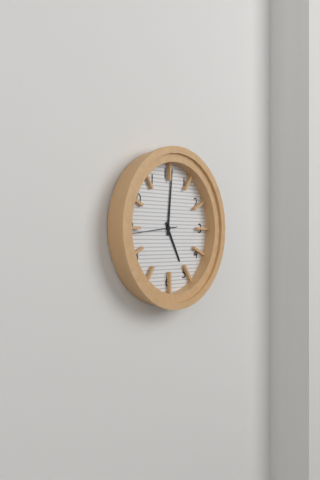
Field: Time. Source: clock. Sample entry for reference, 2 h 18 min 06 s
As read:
5 h 01 min 44 s
